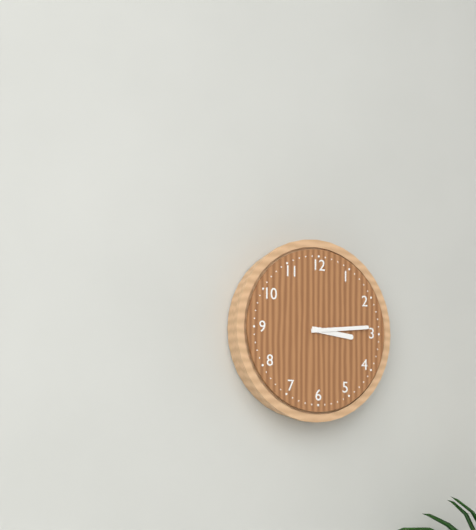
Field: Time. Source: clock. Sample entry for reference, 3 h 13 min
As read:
3 h 14 min
